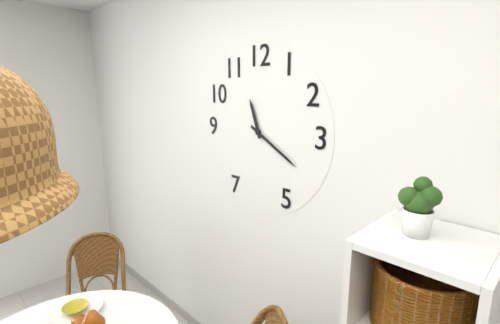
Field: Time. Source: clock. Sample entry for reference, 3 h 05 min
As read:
11 h 20 min
